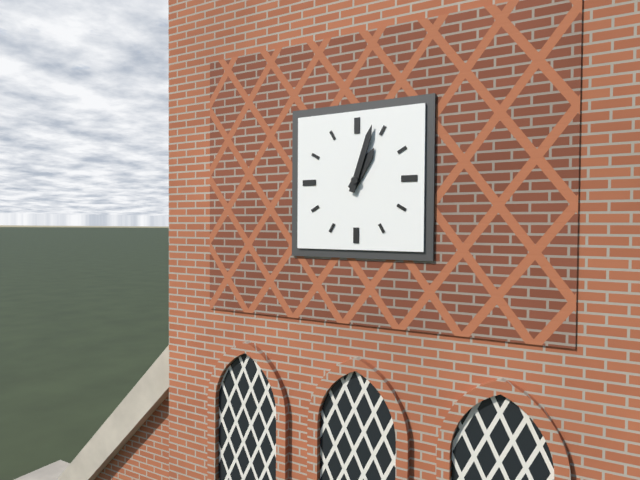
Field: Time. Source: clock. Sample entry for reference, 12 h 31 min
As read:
1 h 03 min
